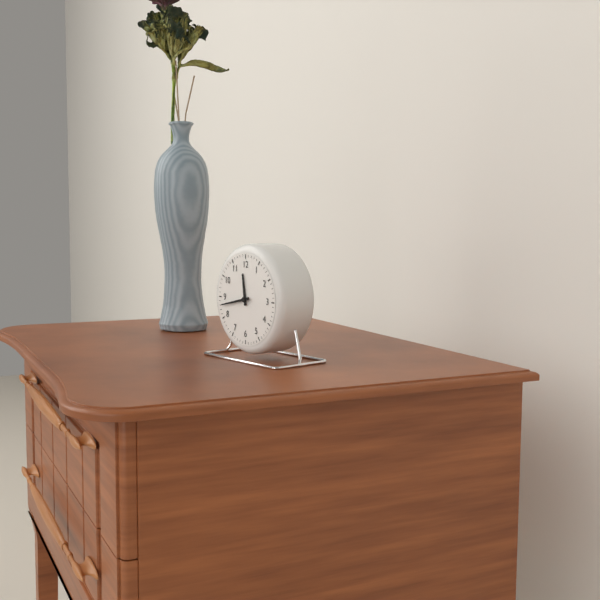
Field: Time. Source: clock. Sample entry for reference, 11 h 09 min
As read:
11 h 43 min
